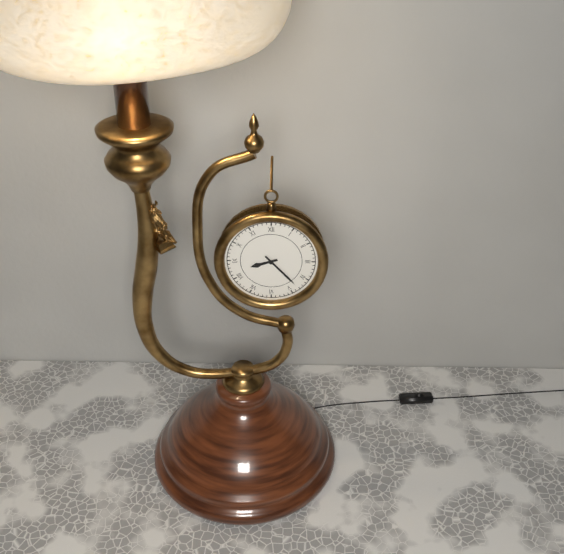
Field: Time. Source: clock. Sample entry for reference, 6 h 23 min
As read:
8 h 23 min
